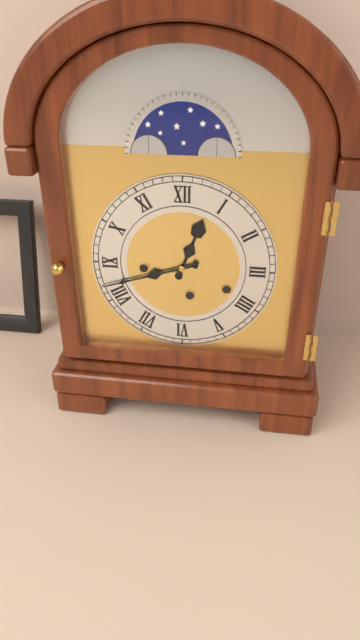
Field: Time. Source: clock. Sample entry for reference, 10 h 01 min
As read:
12 h 42 min
